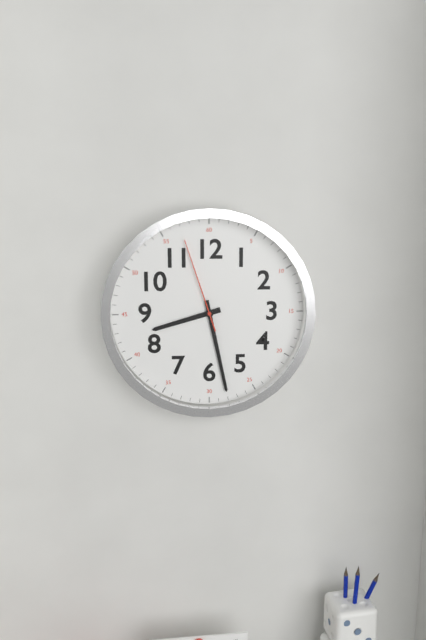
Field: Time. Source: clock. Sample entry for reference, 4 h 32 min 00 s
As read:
8 h 28 min 57 s
